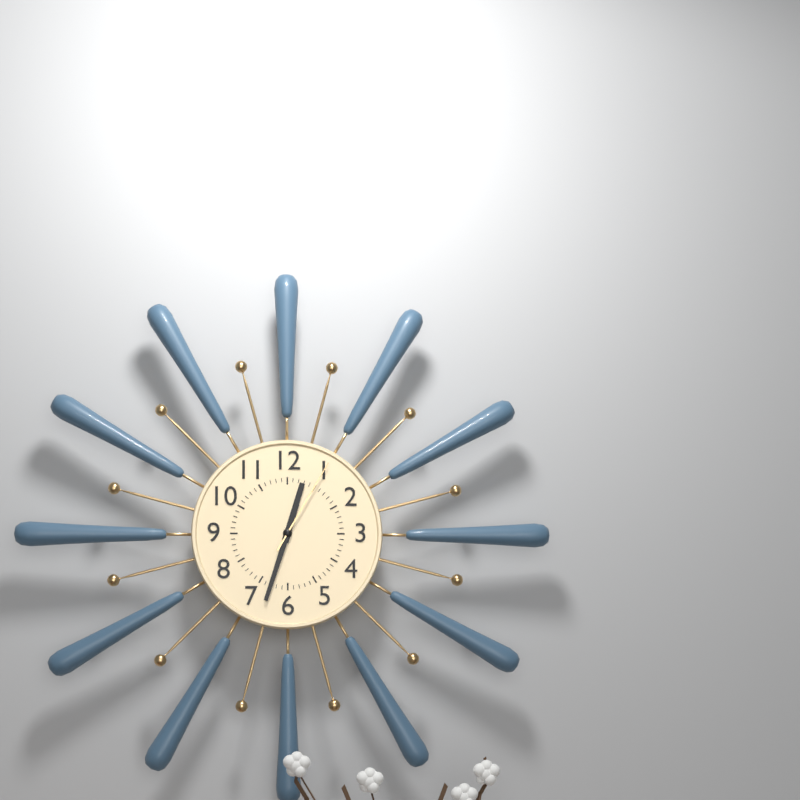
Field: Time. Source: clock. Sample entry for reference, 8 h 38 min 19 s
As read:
12 h 33 min 05 s
